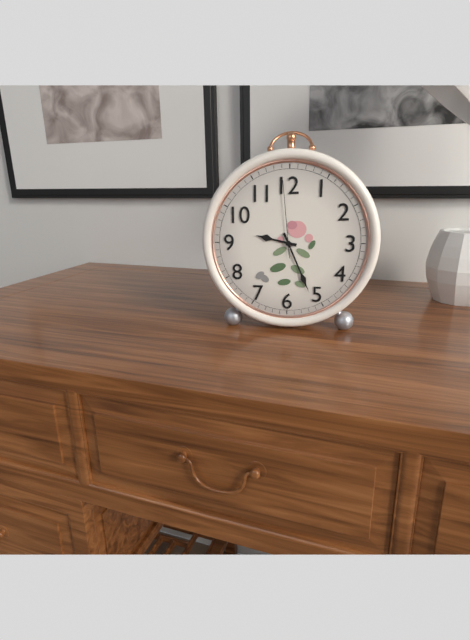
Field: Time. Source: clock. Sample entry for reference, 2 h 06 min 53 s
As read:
9 h 26 min 59 s
